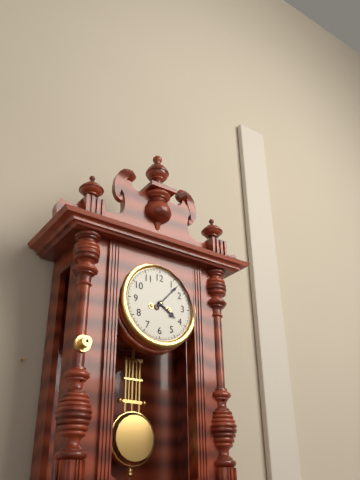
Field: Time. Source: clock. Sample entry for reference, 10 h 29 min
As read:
4 h 07 min
